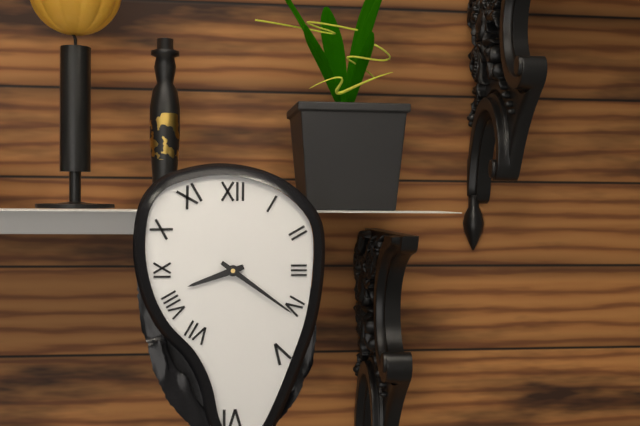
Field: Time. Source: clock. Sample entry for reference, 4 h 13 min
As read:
8 h 21 min
